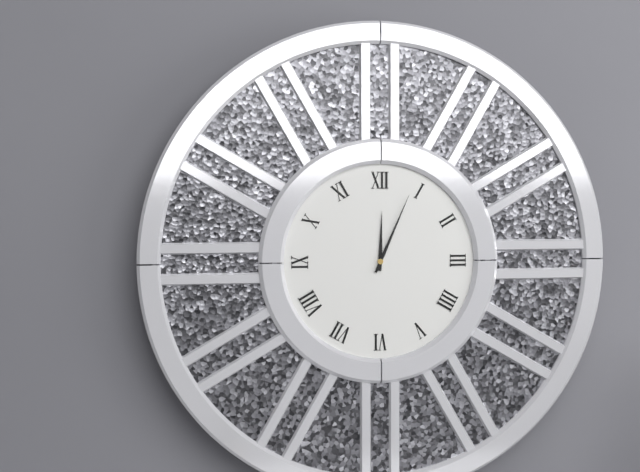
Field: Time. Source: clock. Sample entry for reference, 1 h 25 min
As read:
12 h 04 min
